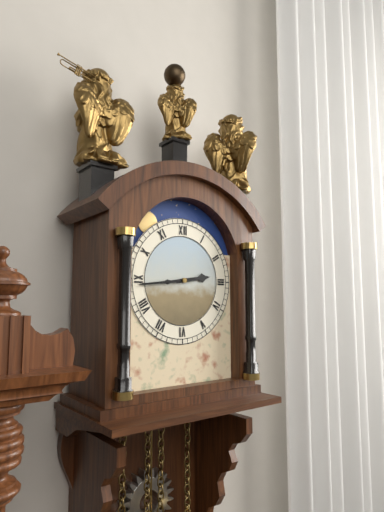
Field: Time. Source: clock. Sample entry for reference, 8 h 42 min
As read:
2 h 44 min
